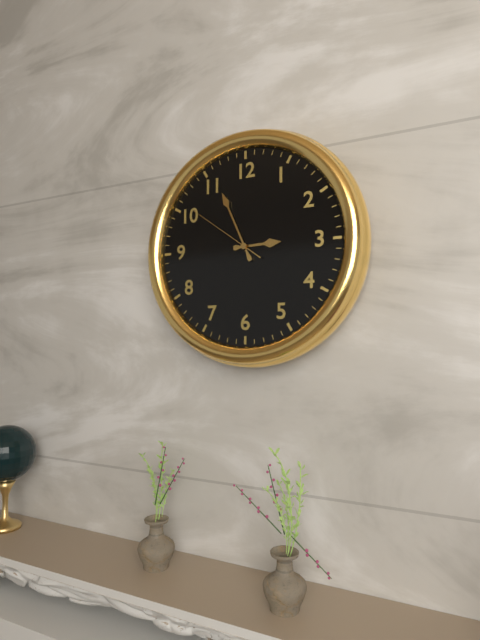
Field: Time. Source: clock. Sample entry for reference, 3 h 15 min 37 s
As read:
2 h 56 min 51 s
